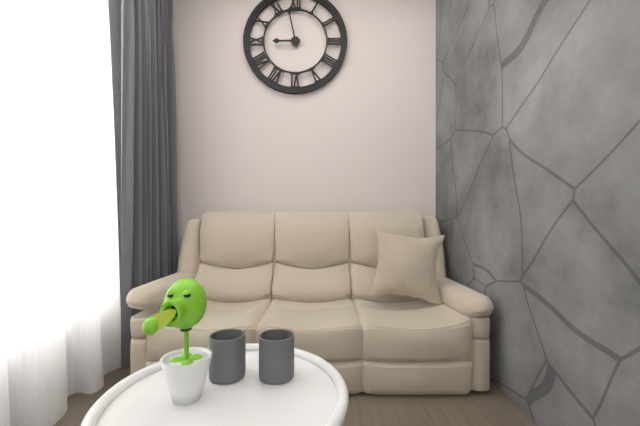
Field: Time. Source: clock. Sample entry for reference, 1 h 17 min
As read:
8 h 58 min
